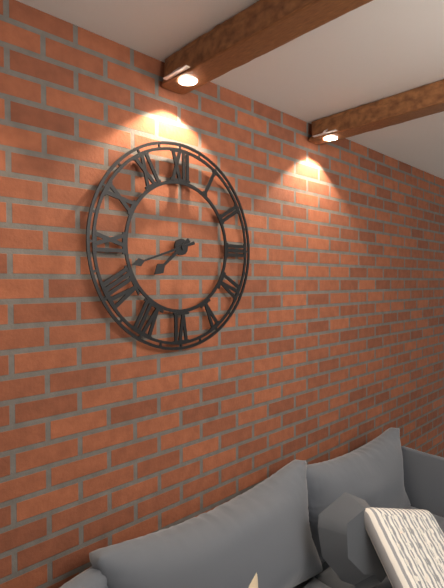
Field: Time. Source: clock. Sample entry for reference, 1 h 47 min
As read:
7 h 42 min
